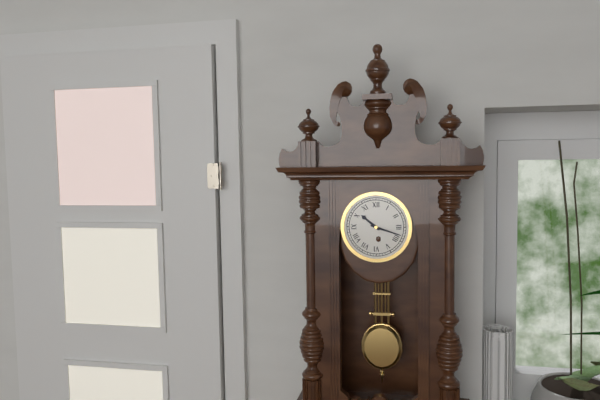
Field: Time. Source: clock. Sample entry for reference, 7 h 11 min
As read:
10 h 18 min
